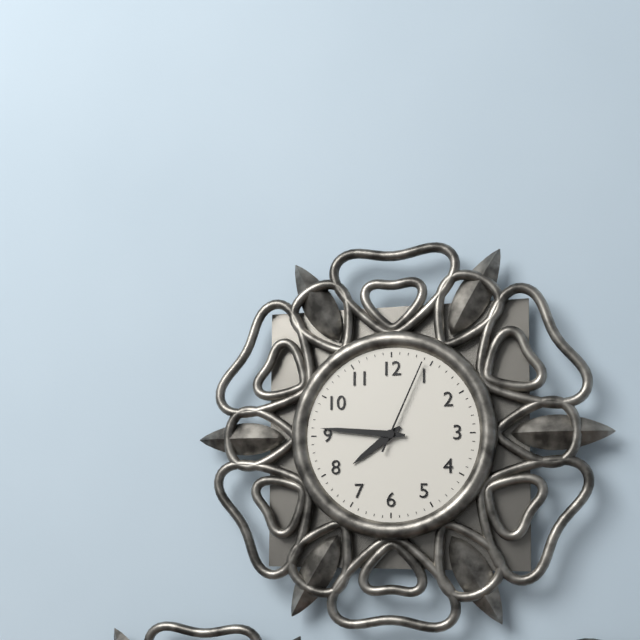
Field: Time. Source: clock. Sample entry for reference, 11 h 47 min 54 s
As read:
7 h 46 min 04 s
